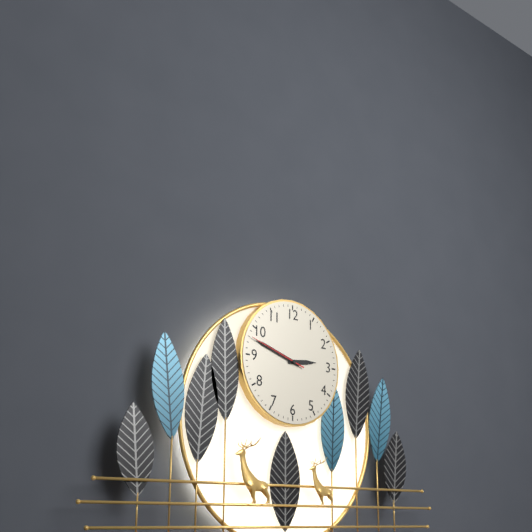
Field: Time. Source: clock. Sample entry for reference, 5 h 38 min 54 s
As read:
2 h 48 min 48 s
